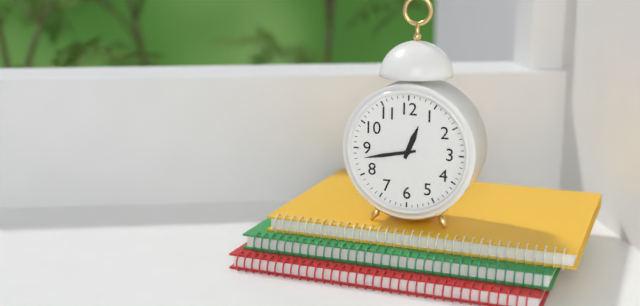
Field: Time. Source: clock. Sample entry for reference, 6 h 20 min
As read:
12 h 43 min
